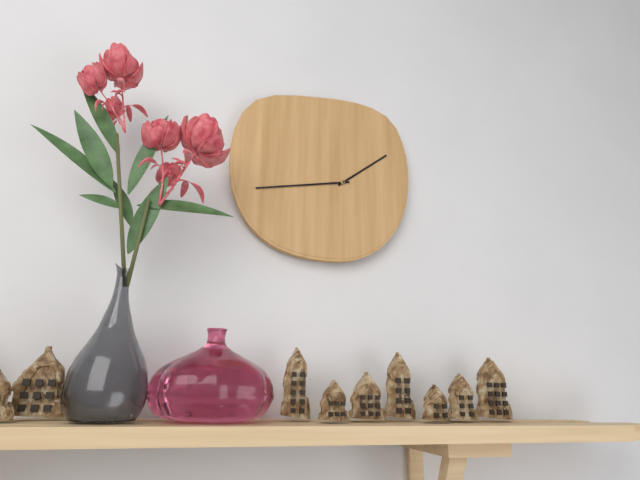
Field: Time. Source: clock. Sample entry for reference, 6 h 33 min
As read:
1 h 43 min
